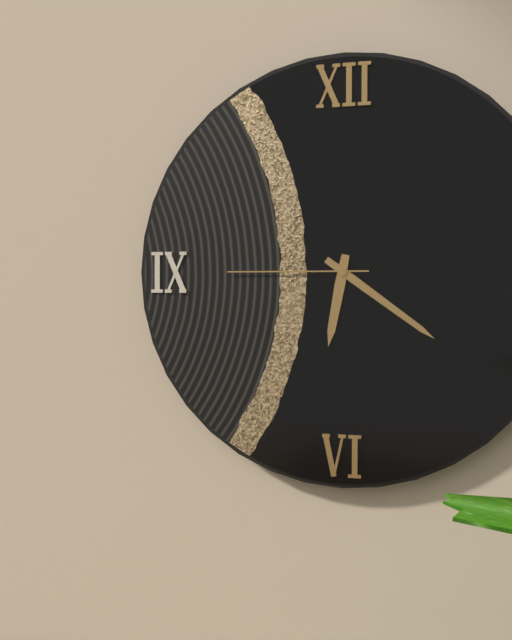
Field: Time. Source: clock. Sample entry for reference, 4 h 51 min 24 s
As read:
6 h 21 min 45 s
